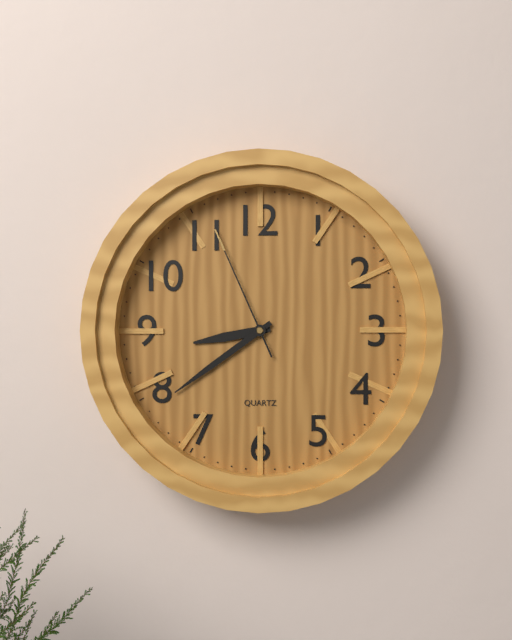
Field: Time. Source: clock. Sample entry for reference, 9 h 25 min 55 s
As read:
8 h 39 min 56 s
